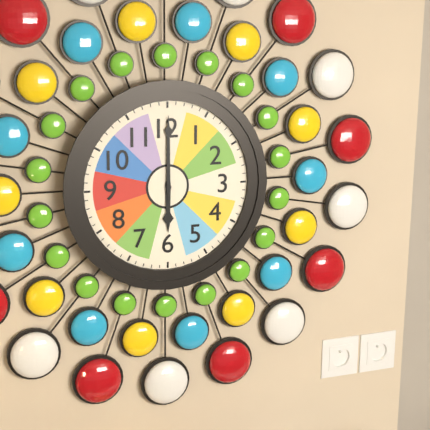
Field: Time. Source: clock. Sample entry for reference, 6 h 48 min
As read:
6 h 00 min
